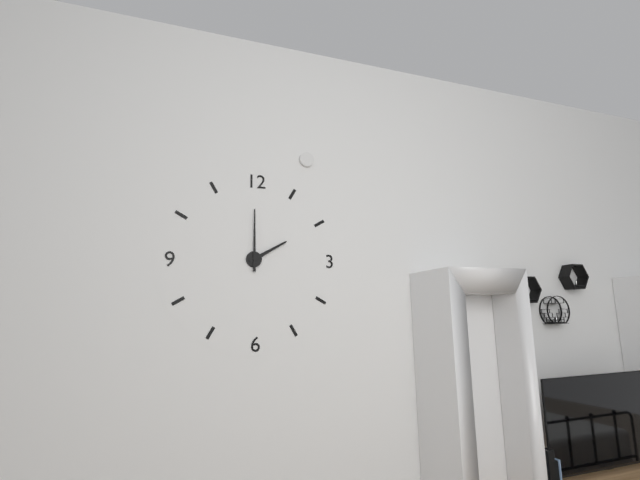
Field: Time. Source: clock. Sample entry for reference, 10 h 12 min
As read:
2 h 00 min
